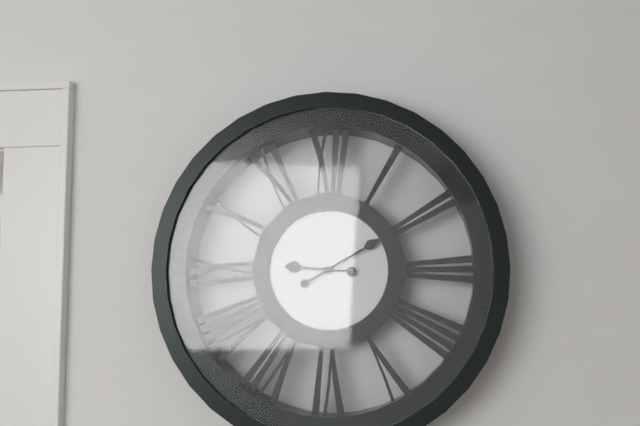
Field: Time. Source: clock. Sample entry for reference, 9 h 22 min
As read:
9 h 10 min
